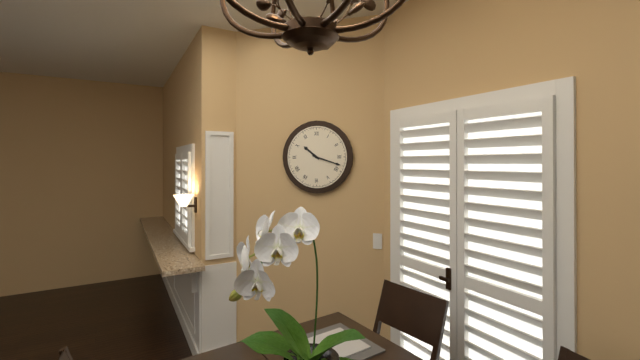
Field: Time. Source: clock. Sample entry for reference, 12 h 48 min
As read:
10 h 18 min
